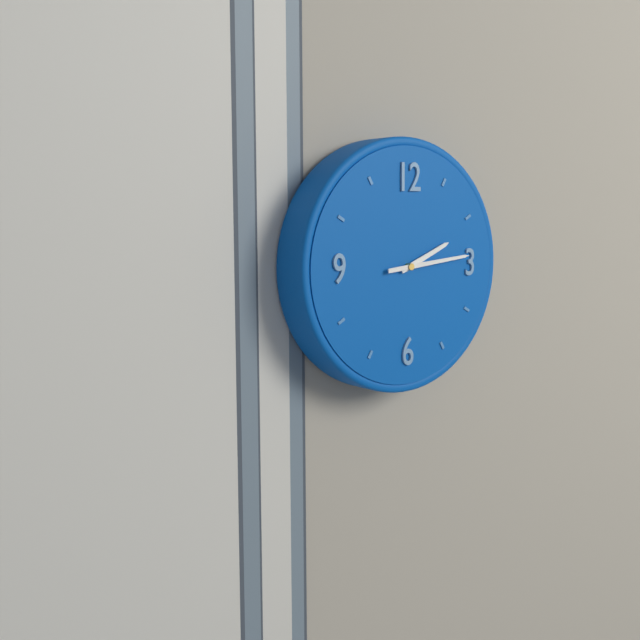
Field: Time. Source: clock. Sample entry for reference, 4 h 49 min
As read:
2 h 14 min
